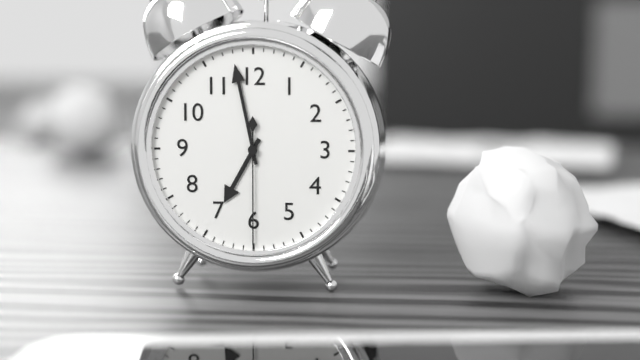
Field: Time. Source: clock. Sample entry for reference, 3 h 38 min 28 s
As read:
6 h 58 min 30 s
